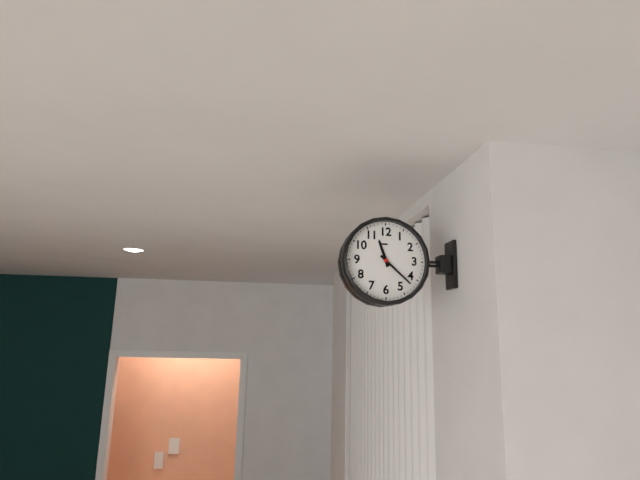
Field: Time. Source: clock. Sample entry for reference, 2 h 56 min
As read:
11 h 22 min
